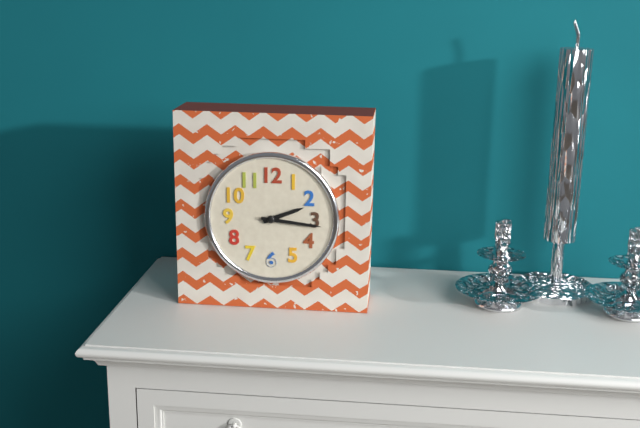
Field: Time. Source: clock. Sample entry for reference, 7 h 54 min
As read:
2 h 16 min
